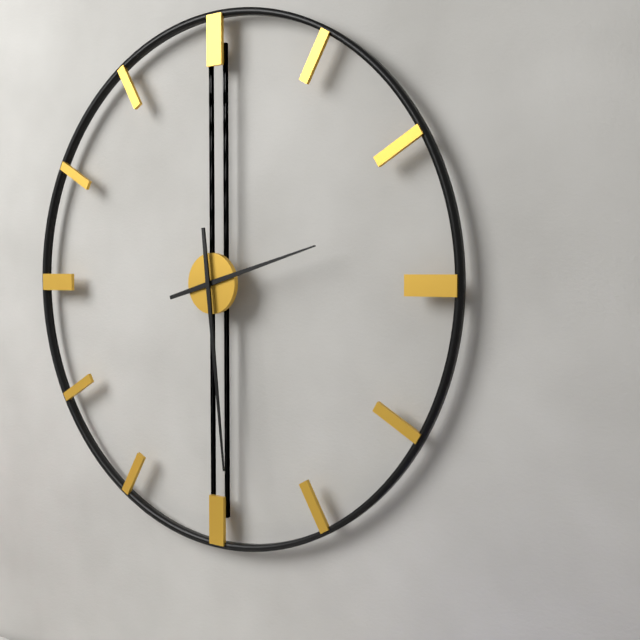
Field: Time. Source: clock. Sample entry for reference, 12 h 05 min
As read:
2 h 29 min
